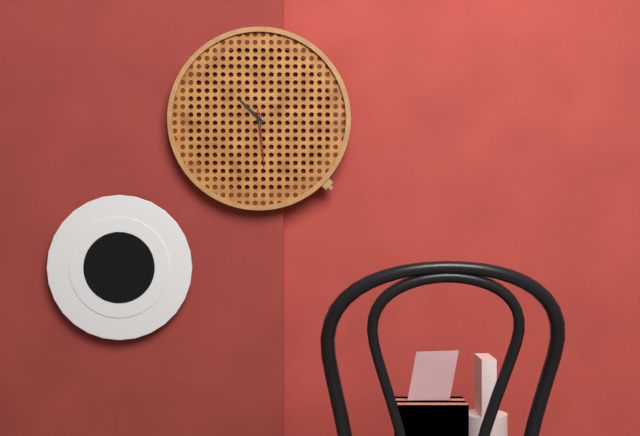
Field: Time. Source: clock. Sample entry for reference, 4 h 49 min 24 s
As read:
10 h 29 min 29 s
